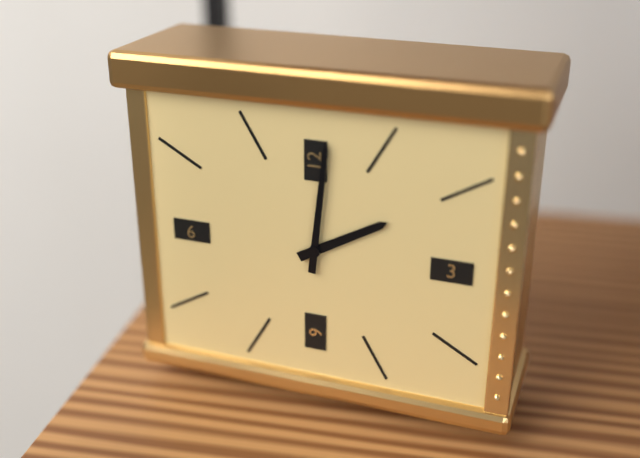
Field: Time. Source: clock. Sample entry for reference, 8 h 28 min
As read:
2 h 01 min
